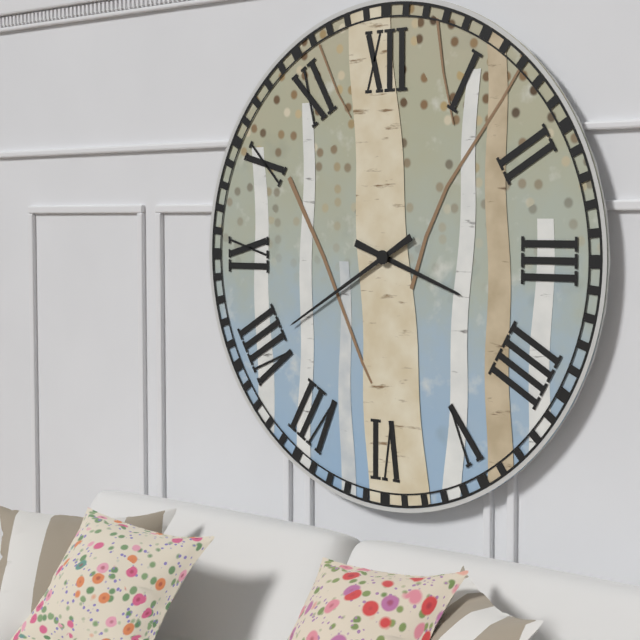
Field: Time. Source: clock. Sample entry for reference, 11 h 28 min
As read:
3 h 40 min
